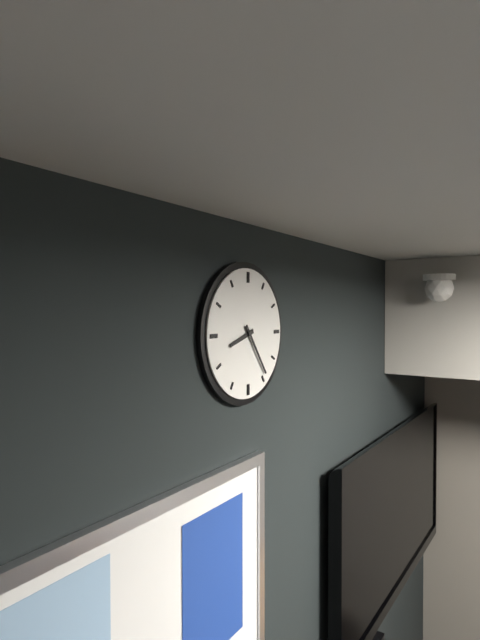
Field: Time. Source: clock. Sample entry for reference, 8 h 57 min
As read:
8 h 24 min
